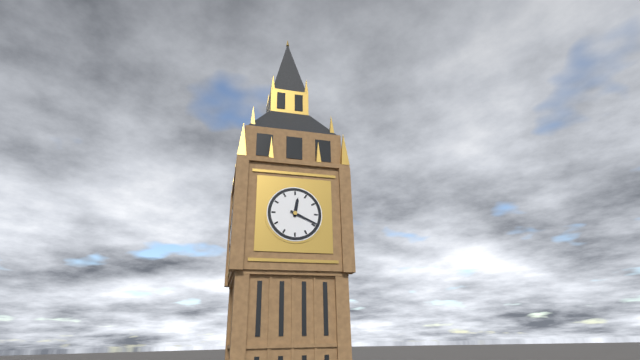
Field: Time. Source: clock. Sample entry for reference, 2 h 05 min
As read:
12 h 19 min
